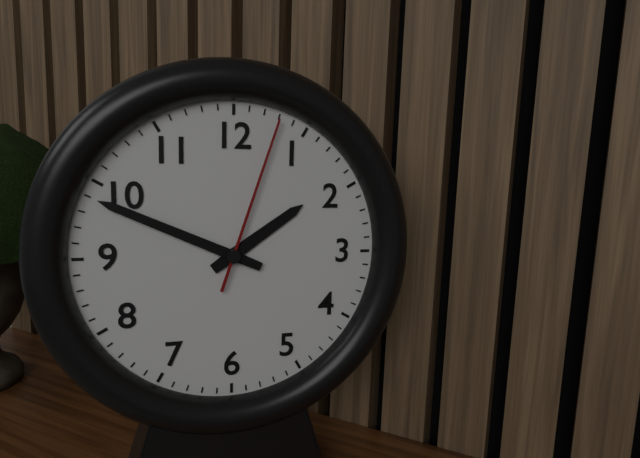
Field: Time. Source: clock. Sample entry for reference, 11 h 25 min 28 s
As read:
1 h 49 min 03 s
